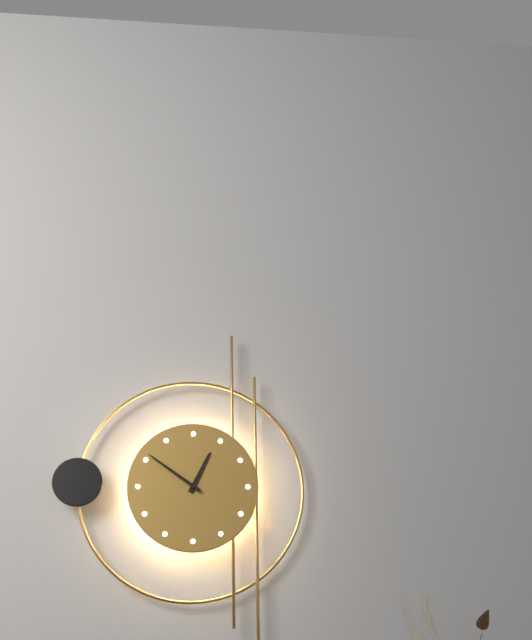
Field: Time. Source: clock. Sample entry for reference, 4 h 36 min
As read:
12 h 51 min
